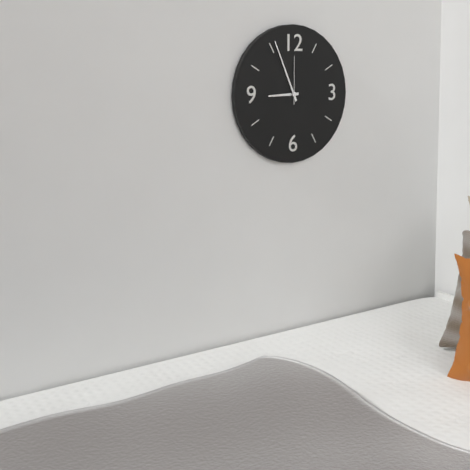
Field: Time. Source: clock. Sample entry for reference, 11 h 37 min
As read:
8 h 56 min
